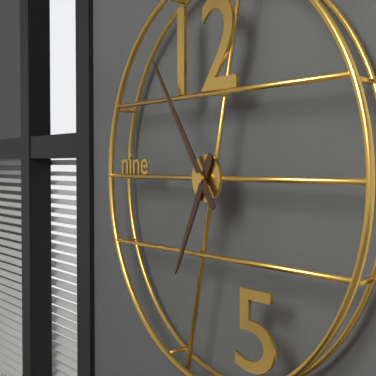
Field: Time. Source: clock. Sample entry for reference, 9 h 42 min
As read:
6 h 54 min
